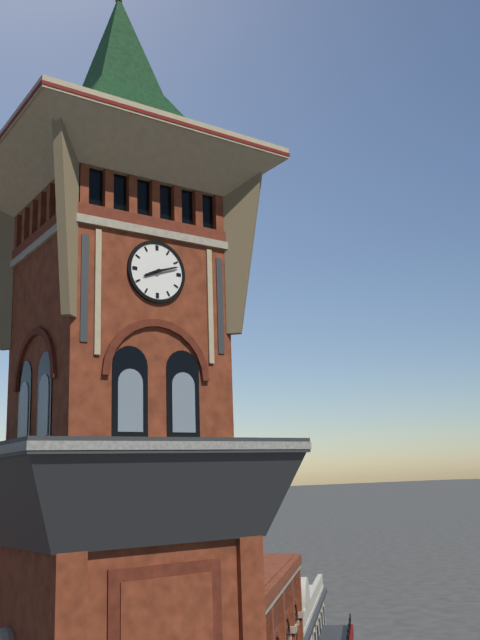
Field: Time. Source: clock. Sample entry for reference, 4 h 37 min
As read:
8 h 12 min
